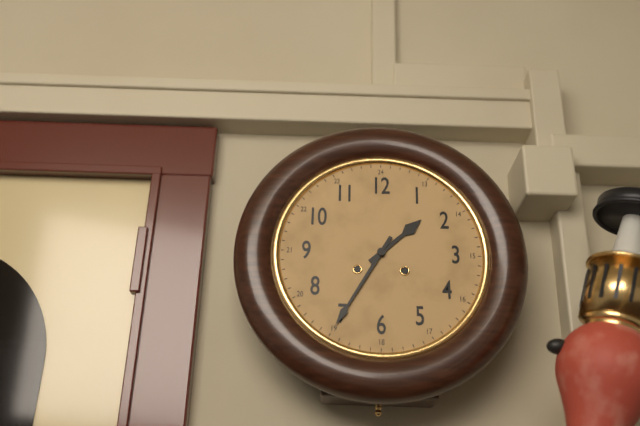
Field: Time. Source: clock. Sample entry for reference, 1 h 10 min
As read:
1 h 35 min
